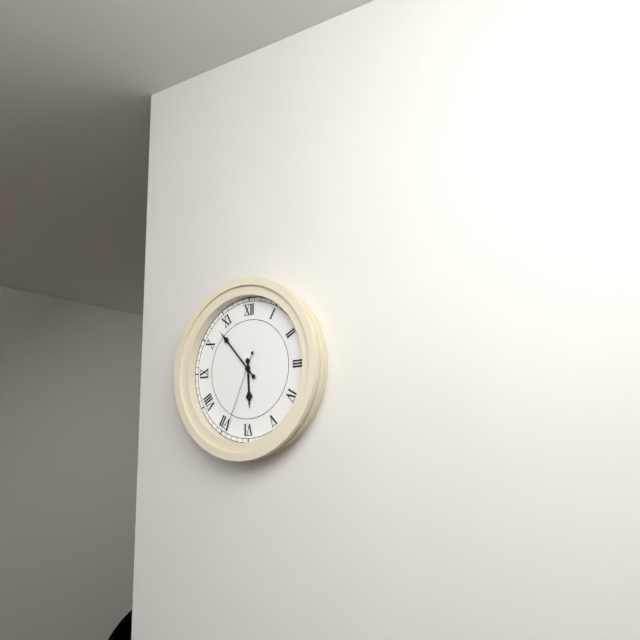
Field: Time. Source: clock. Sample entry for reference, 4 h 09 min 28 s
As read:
5 h 53 min 34 s
